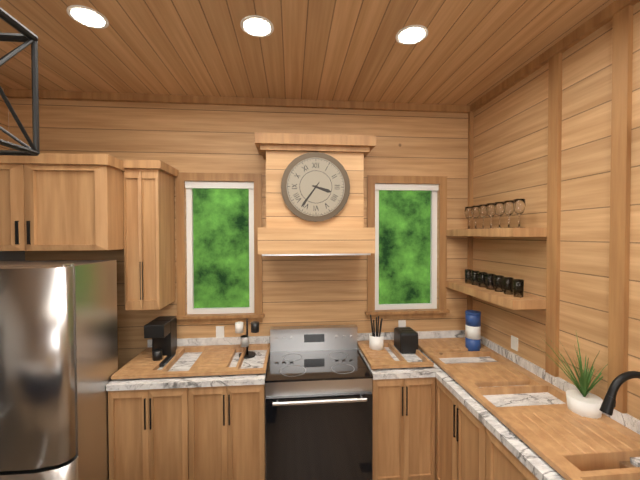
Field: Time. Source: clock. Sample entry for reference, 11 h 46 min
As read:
3 h 36 min
